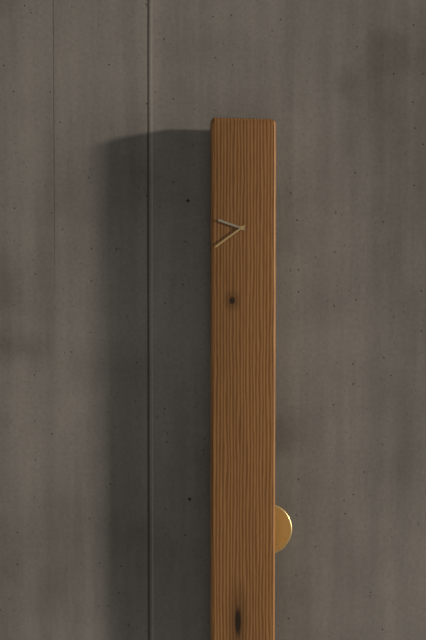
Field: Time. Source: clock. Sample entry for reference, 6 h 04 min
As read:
9 h 39 min
